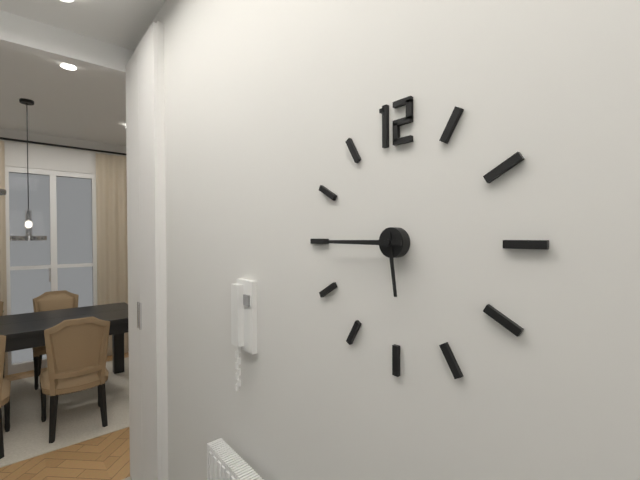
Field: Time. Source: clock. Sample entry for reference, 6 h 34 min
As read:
5 h 45 min
